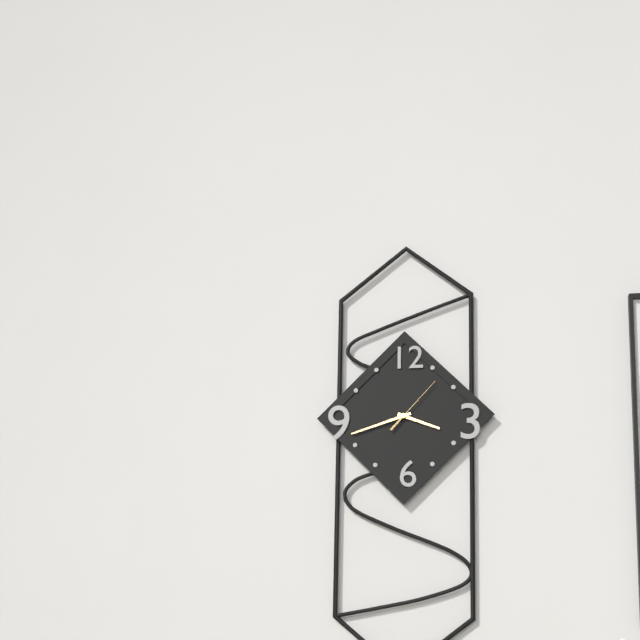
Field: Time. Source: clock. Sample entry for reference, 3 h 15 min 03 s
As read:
3 h 42 min 07 s
